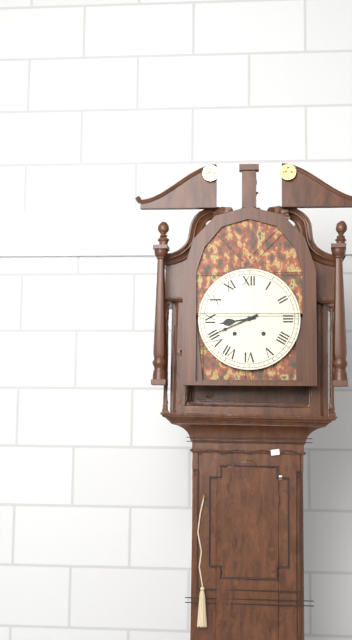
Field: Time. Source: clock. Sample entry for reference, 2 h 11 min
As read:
8 h 41 min
